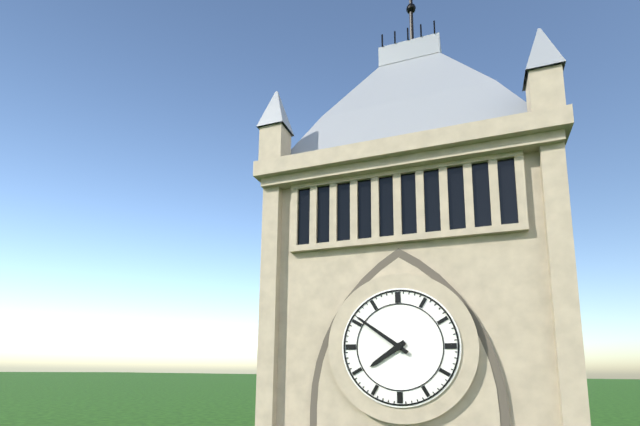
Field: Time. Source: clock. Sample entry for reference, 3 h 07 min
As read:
7 h 51 min
